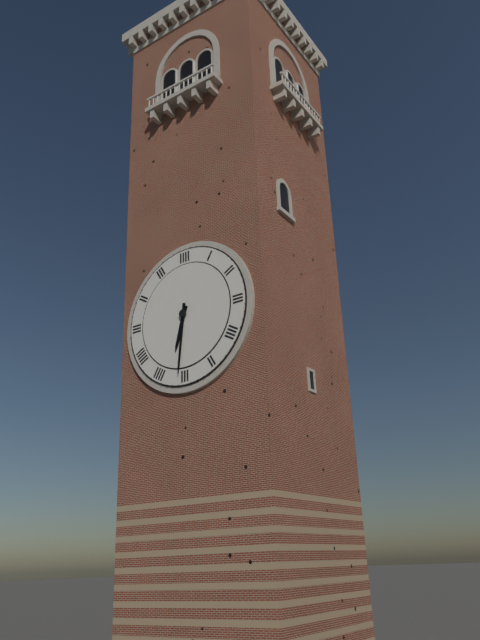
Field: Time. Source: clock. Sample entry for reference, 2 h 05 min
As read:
6 h 31 min
